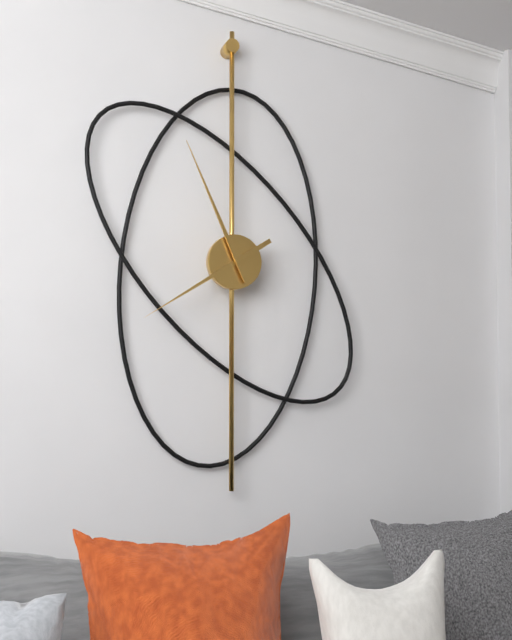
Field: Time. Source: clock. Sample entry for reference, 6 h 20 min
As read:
7 h 56 min
